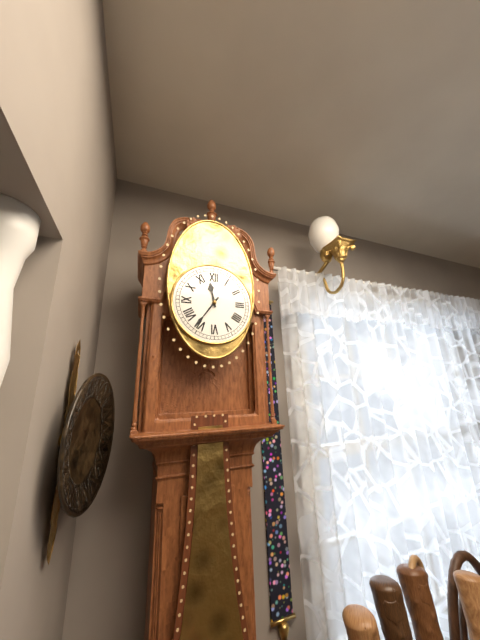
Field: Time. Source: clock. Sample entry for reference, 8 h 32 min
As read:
11 h 36 min
